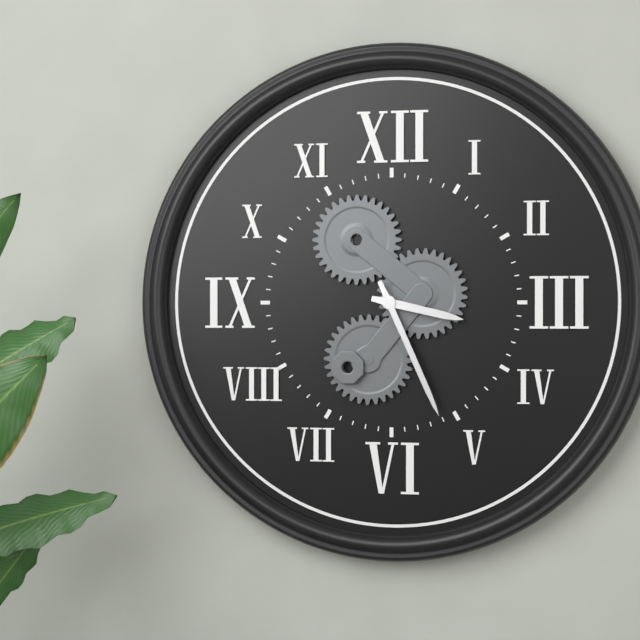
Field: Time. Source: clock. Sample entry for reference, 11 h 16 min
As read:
3 h 26 min
